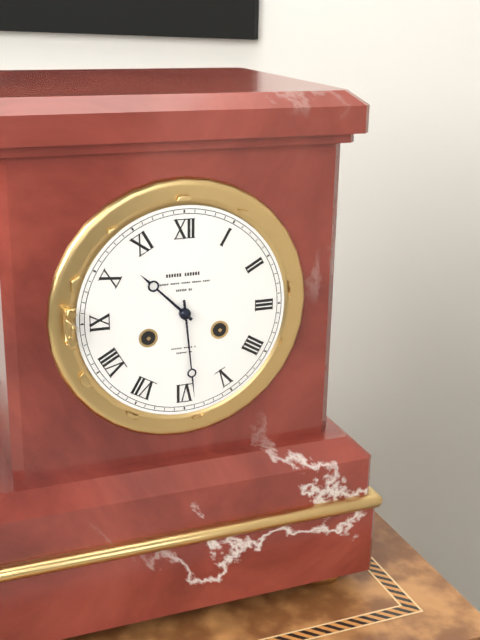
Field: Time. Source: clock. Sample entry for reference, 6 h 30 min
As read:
10 h 29 min
